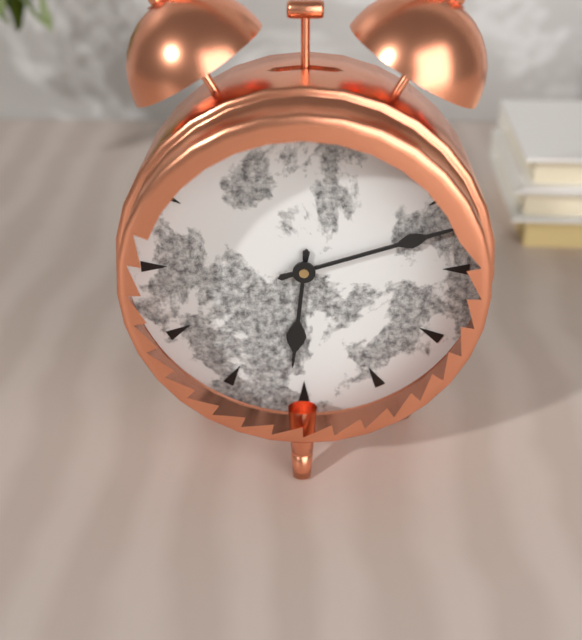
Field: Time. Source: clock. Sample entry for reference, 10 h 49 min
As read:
6 h 12 min
